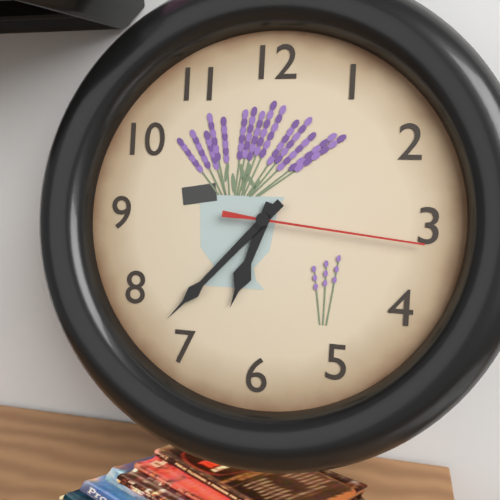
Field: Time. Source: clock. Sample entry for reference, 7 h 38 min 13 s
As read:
6 h 37 min 16 s
